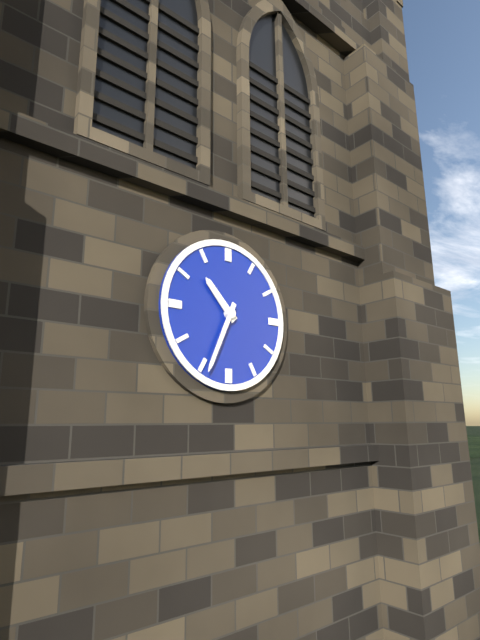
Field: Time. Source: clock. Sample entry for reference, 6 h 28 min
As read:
10 h 34 min
